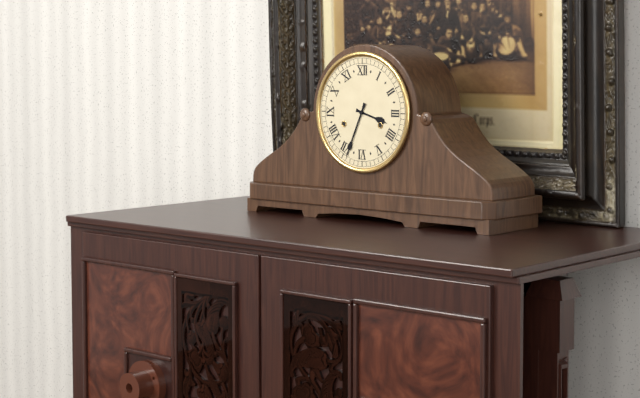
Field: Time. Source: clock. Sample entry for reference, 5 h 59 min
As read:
3 h 34 min
